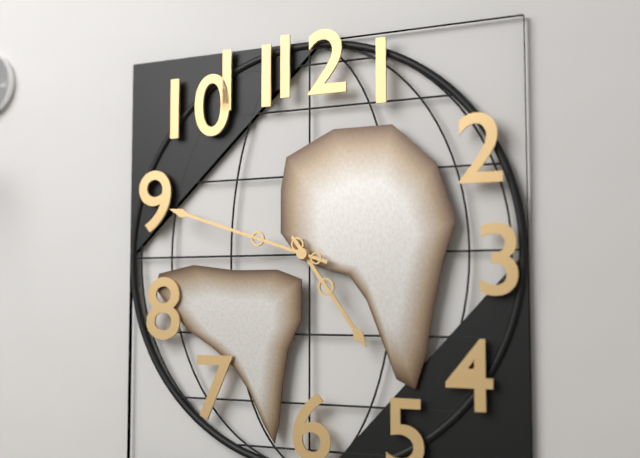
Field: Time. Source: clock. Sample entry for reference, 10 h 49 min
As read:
4 h 48 min
